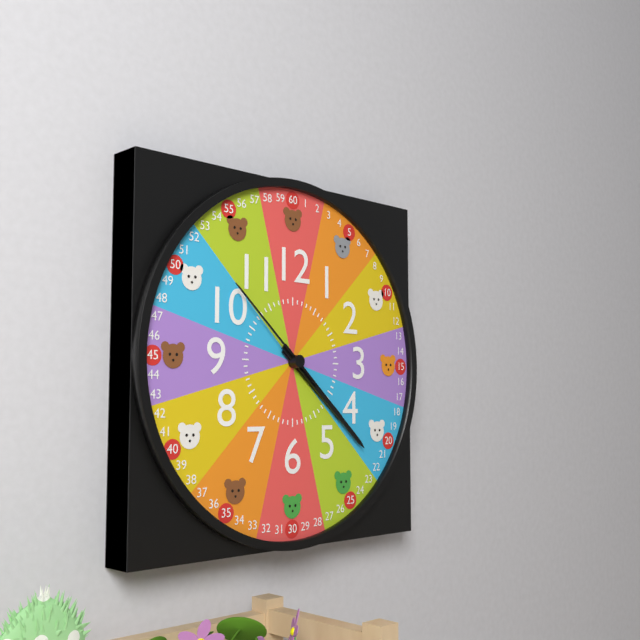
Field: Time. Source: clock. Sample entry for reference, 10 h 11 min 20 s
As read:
4 h 22 min 52 s
